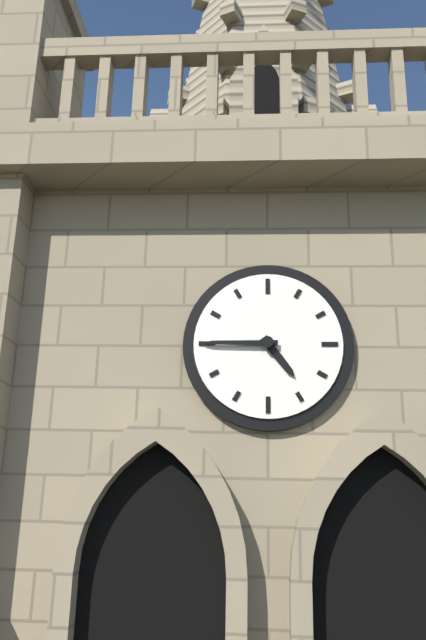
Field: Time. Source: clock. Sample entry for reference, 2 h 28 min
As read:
4 h 45 min
